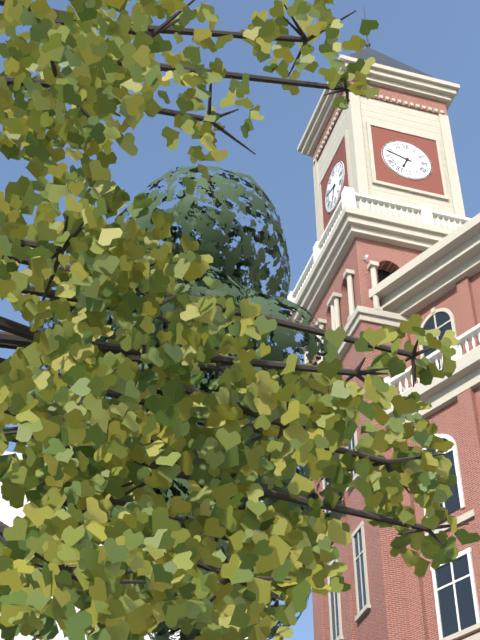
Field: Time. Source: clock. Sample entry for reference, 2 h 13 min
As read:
6 h 48 min
